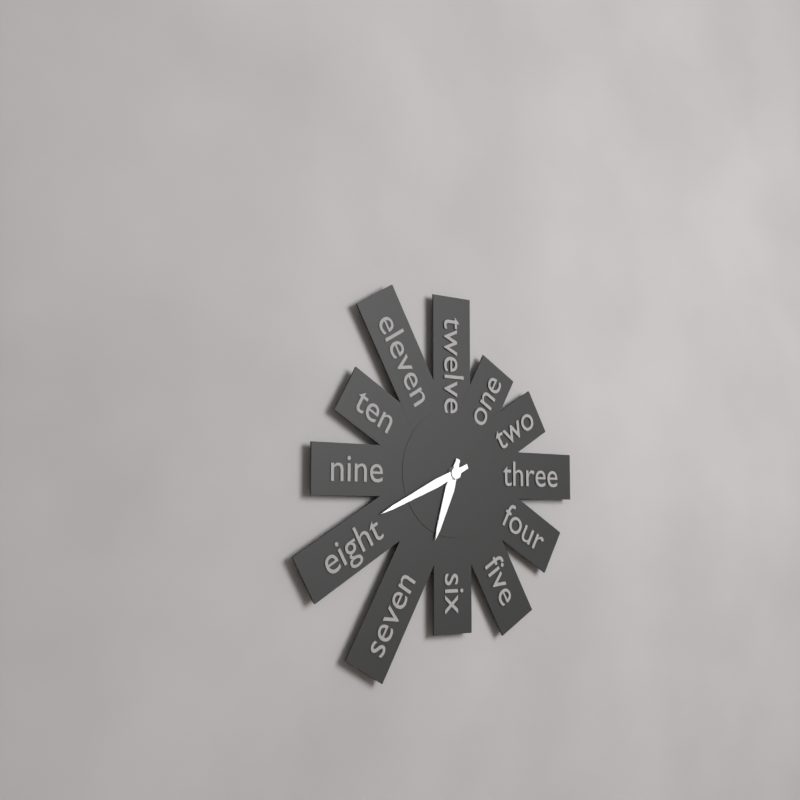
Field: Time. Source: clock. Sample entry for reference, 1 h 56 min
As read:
6 h 41 min
